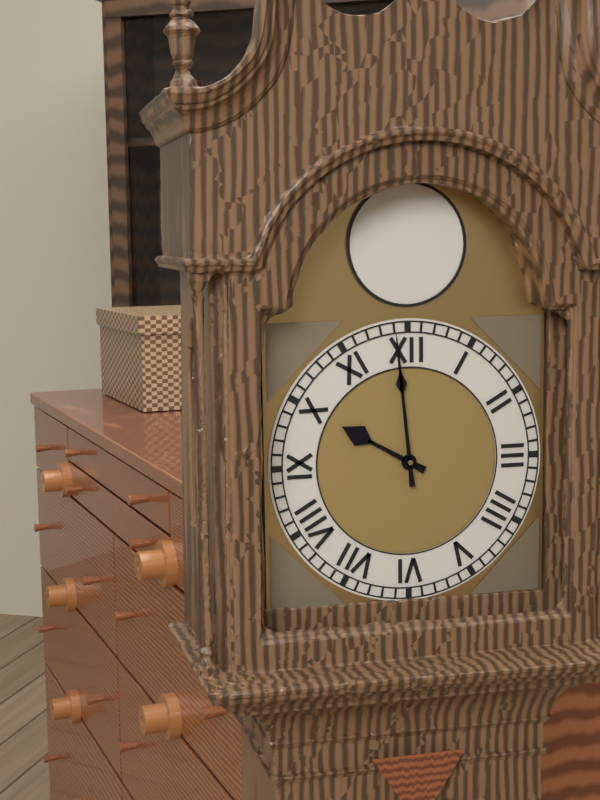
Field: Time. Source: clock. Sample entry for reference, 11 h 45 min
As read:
9 h 59 min
